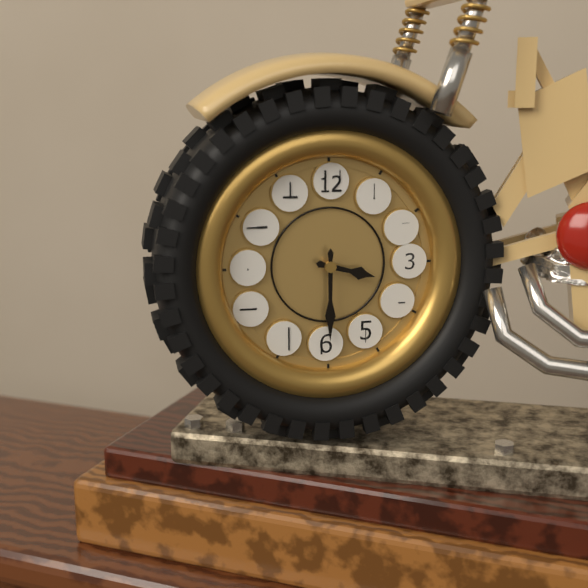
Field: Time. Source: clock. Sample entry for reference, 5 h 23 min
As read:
3 h 30 min
